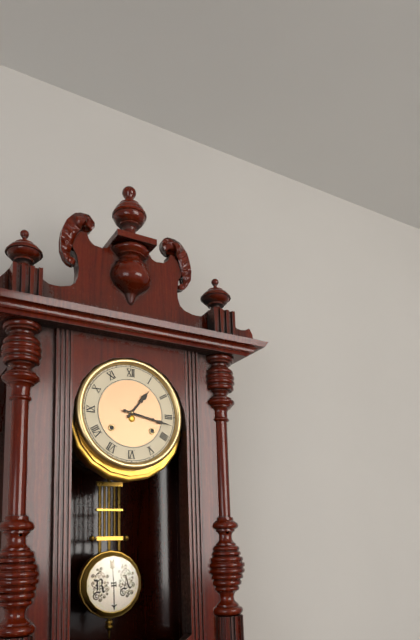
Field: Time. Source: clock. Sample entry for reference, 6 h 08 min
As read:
1 h 17 min
